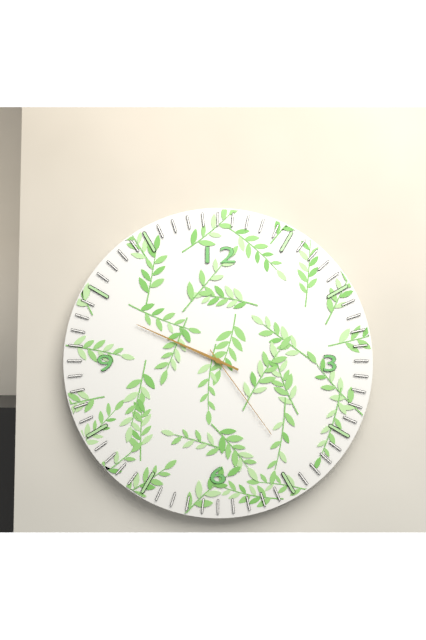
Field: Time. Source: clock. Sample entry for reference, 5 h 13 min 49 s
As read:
9 h 49 min 24 s
